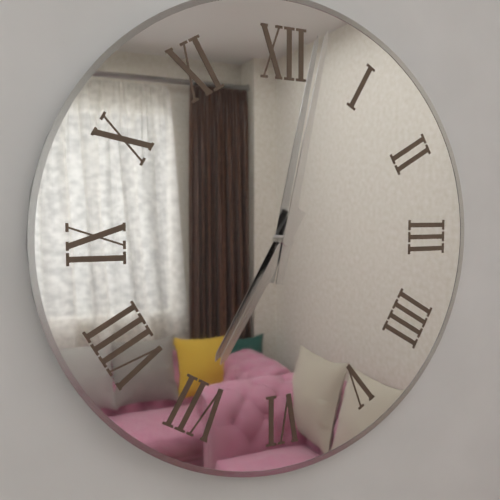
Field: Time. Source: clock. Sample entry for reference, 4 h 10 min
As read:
7 h 02 min
